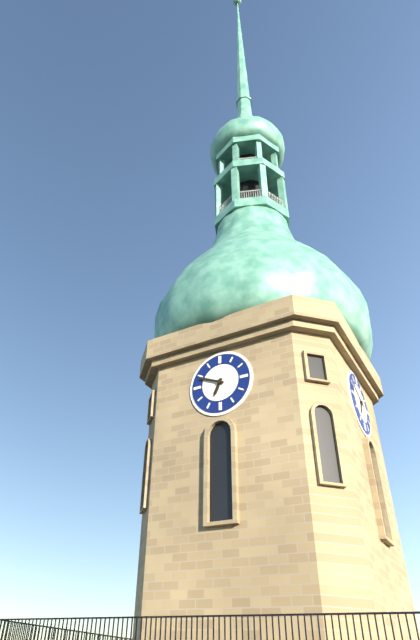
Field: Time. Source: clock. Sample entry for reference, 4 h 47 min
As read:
6 h 49 min
